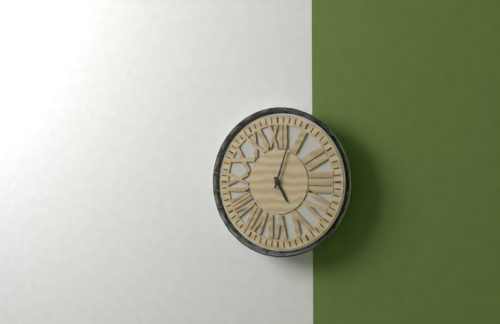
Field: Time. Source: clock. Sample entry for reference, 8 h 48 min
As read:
5 h 03 min
